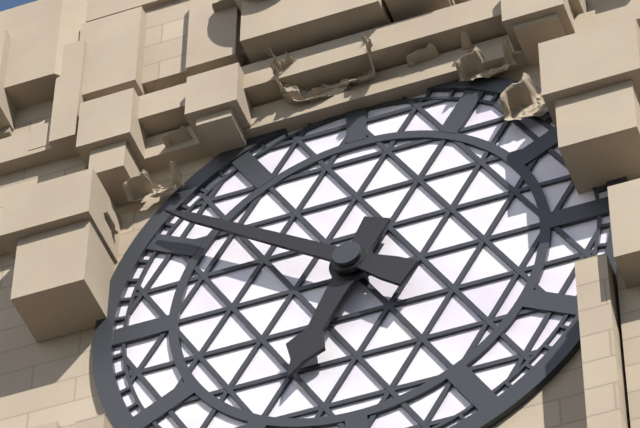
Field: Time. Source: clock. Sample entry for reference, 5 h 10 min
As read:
6 h 51 min
